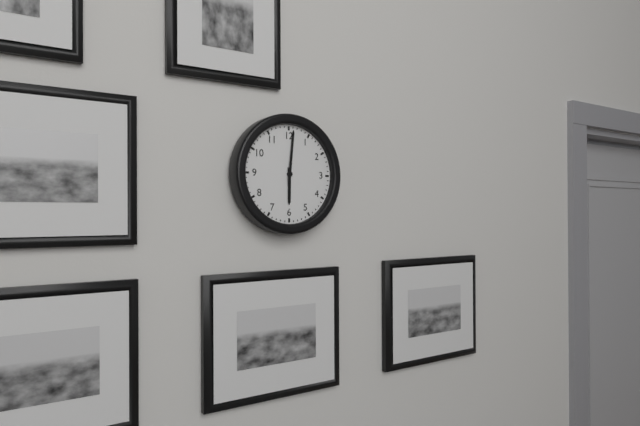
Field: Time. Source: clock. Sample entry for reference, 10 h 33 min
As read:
6 h 01 min
